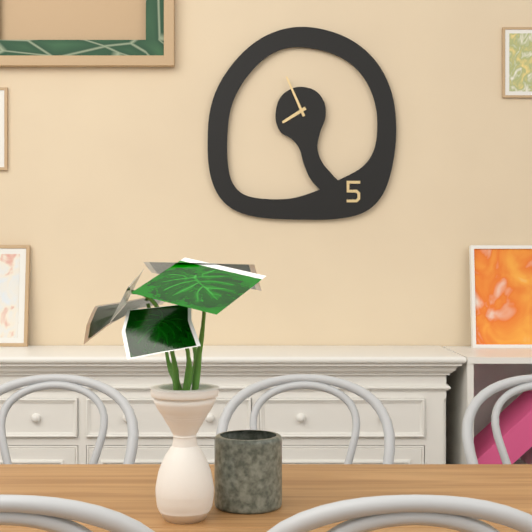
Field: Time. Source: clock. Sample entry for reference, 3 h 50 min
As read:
7 h 56 min
